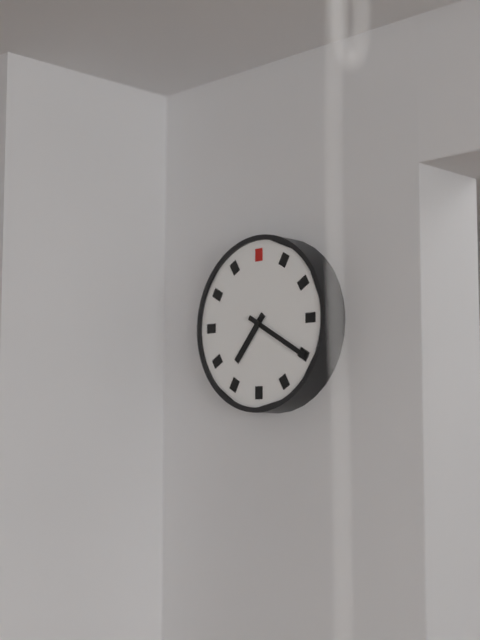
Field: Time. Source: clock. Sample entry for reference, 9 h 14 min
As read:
7 h 20 min
